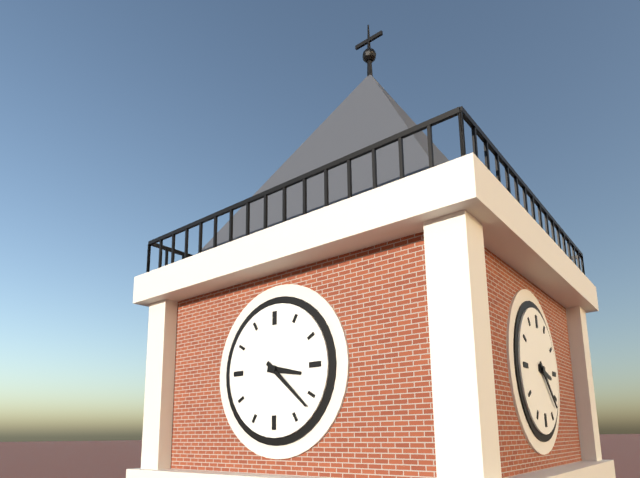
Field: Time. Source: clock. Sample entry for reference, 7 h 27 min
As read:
3 h 22 min
